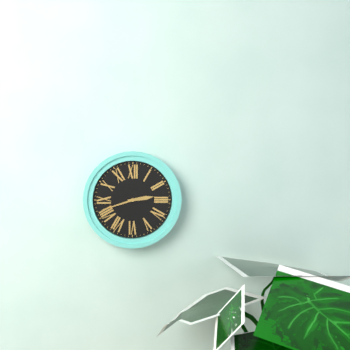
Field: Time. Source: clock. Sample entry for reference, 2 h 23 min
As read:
2 h 42 min
